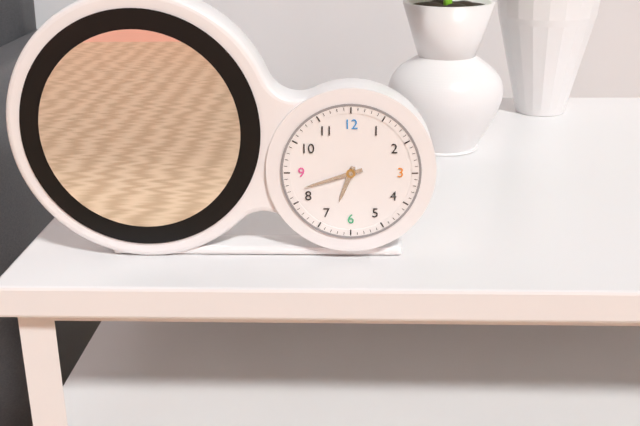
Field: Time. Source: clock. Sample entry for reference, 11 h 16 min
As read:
6 h 42 min
